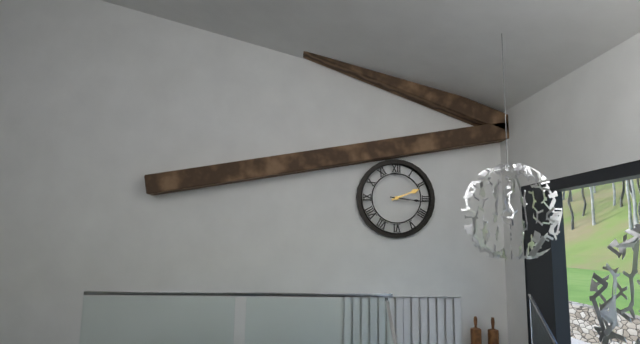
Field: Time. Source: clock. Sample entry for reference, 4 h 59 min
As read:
2 h 16 min
